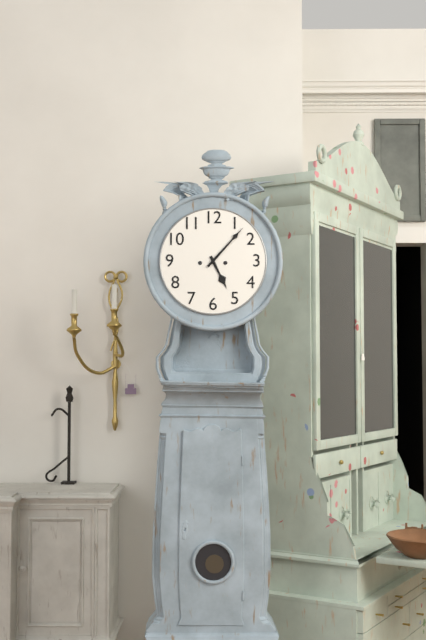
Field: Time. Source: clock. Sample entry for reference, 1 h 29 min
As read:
5 h 07 min
